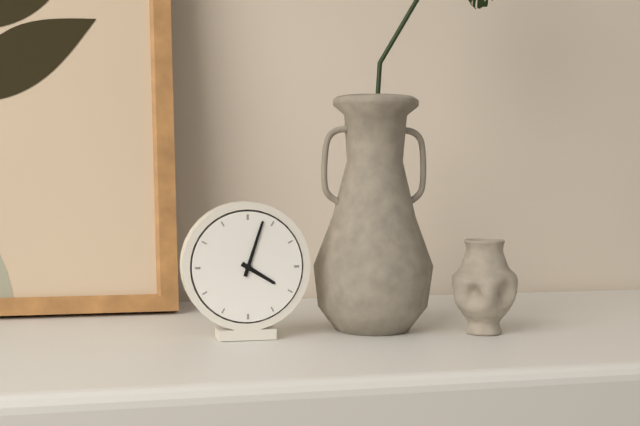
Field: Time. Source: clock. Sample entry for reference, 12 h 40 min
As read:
4 h 03 min
